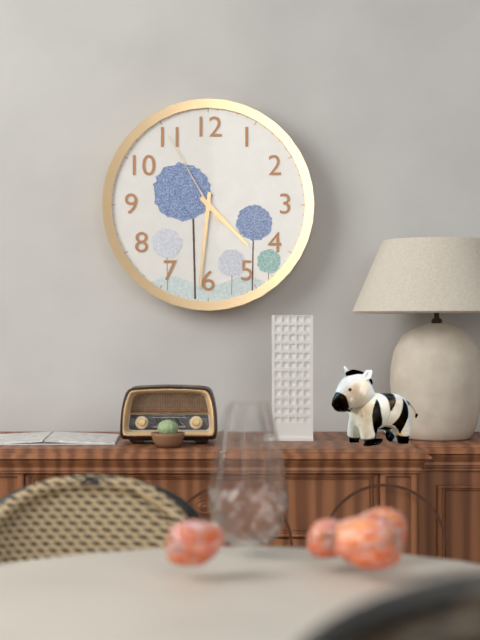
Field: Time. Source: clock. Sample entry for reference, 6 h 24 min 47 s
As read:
4 h 31 min 55 s
